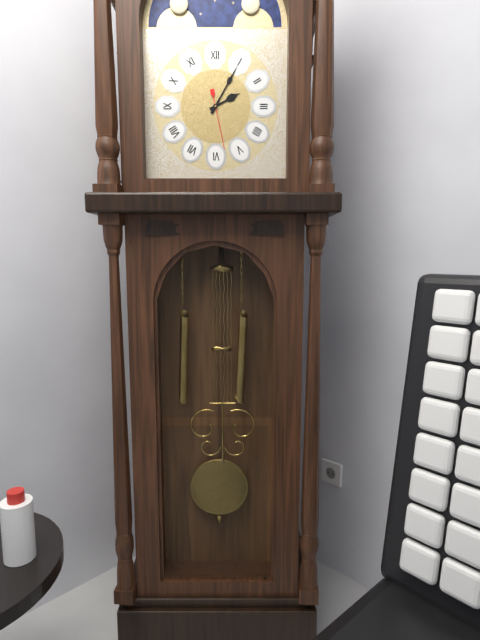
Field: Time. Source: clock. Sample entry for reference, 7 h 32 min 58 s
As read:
2 h 05 min 28 s
